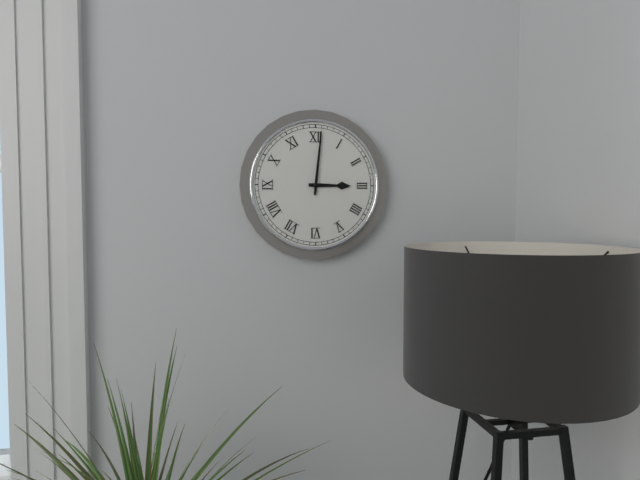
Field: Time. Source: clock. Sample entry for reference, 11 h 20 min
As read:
3 h 01 min
